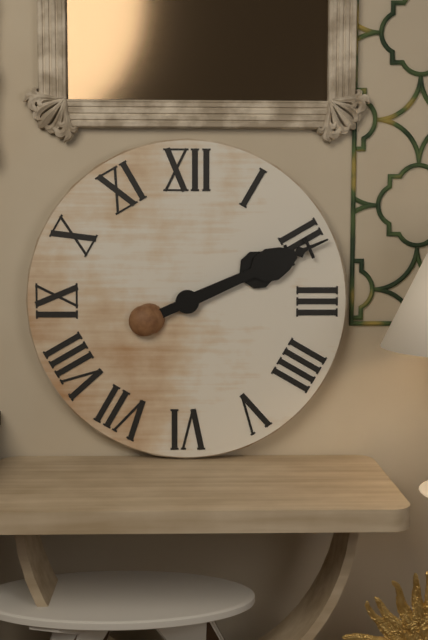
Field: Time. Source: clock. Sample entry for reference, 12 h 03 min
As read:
2 h 11 min
